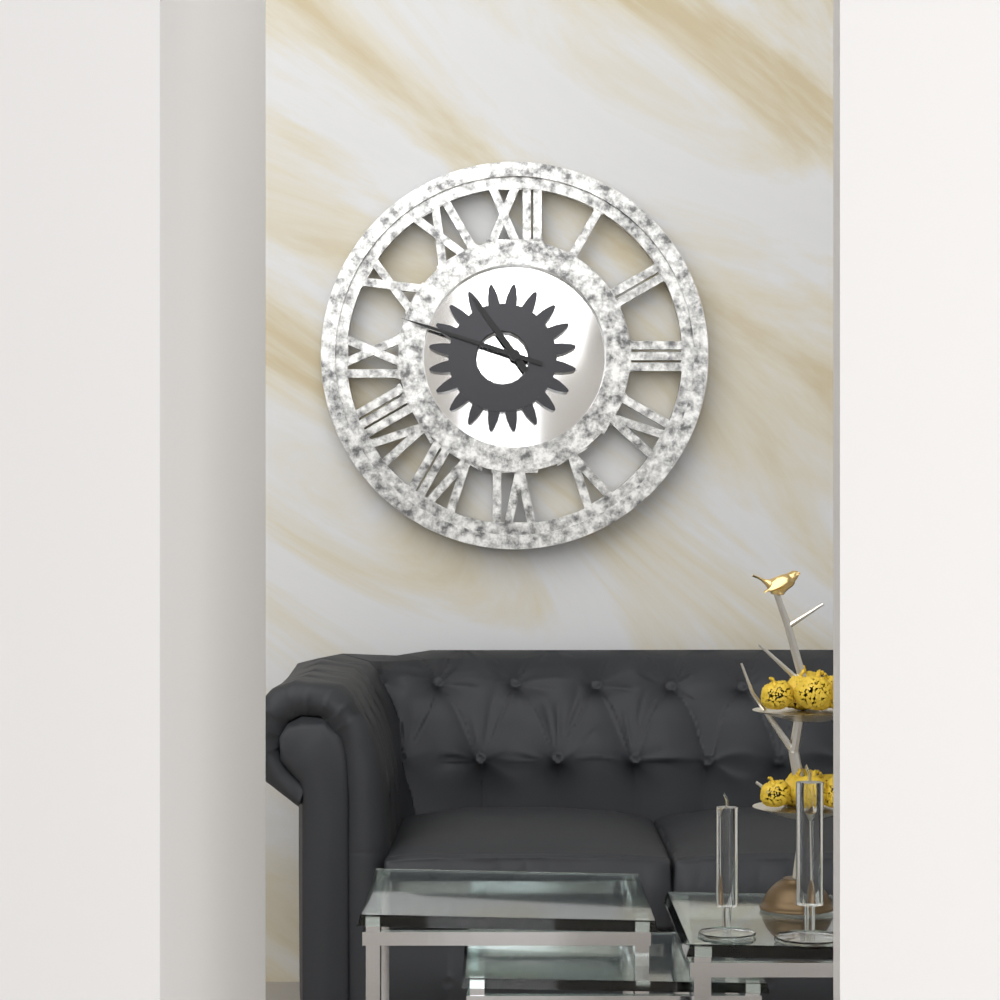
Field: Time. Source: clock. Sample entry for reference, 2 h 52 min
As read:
10 h 48 min
